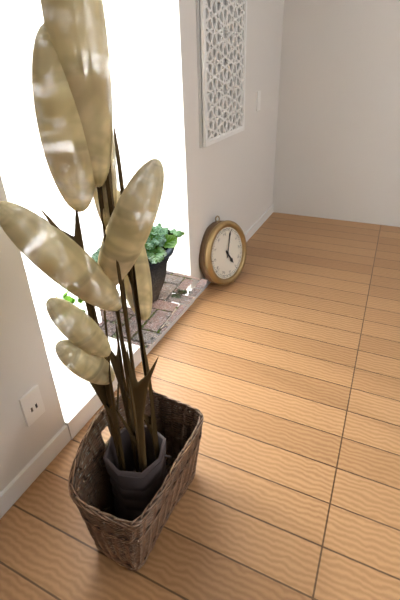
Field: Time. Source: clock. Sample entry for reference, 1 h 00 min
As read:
5 h 04 min
